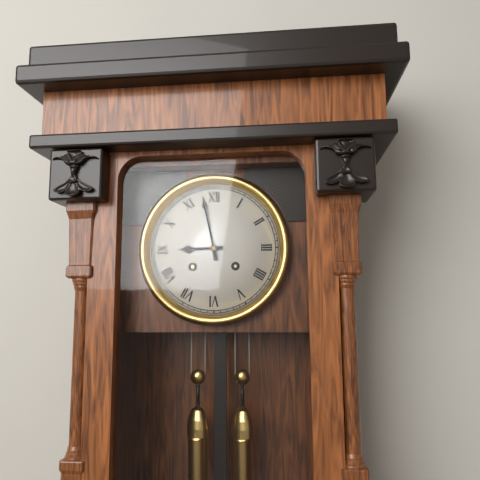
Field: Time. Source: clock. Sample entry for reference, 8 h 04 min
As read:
8 h 58 min
